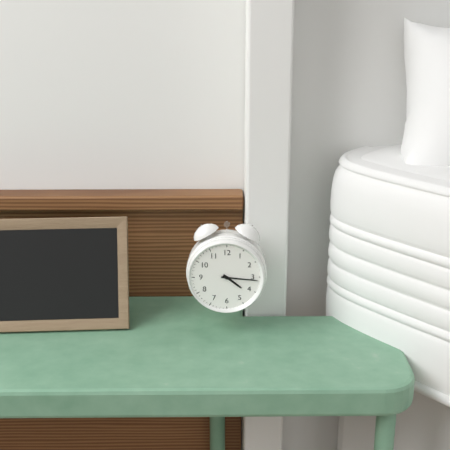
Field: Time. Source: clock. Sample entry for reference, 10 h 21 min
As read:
4 h 16 min
